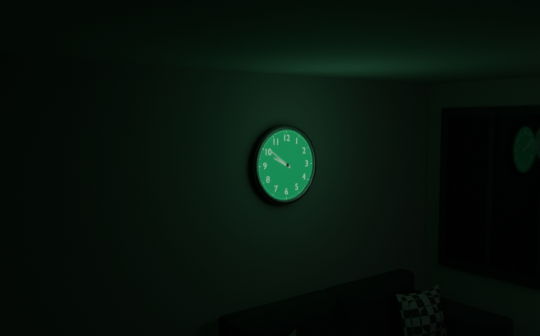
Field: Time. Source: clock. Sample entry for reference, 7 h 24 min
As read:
9 h 51 min
